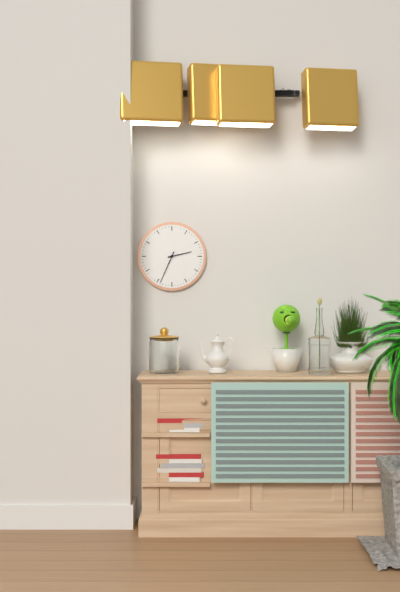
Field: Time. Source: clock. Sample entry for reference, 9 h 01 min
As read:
2 h 34 min
